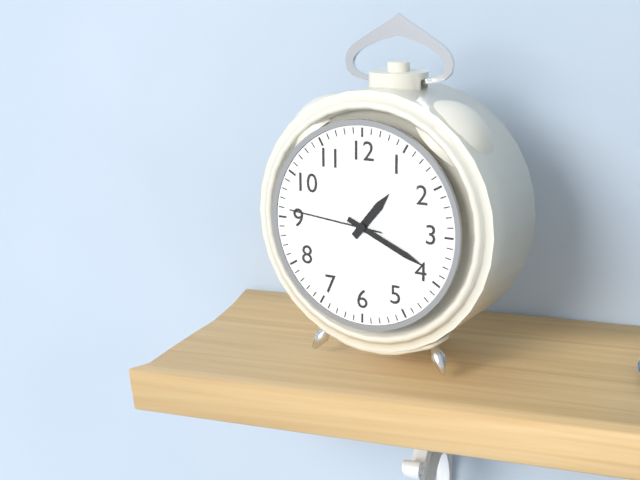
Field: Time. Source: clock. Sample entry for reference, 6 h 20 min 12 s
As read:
1 h 19 min 46 s
